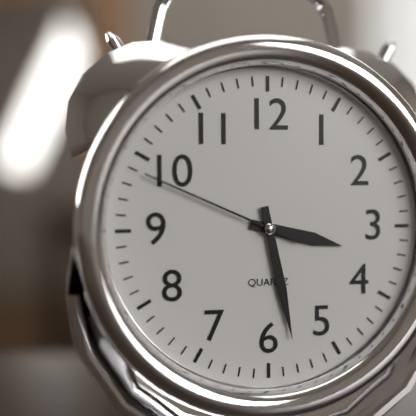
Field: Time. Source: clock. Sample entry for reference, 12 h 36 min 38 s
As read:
3 h 28 min 49 s
